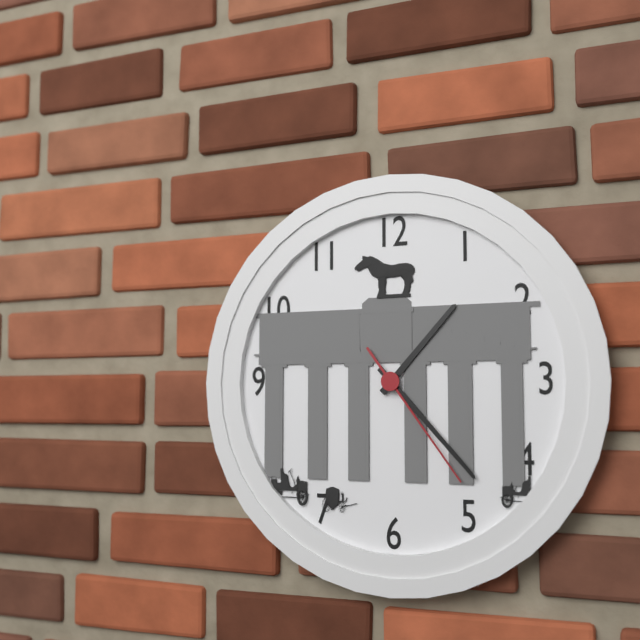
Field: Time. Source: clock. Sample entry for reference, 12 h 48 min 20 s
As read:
1 h 23 min 24 s
